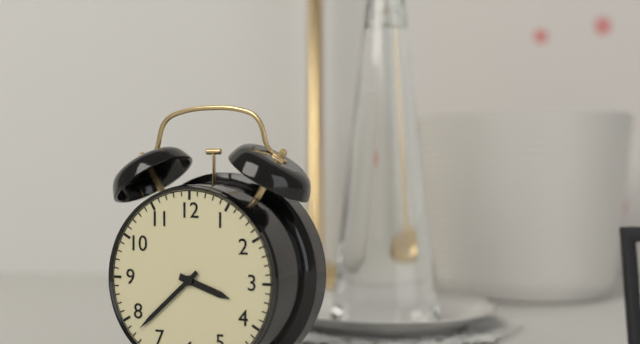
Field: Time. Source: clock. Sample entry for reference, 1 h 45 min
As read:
3 h 38 min
